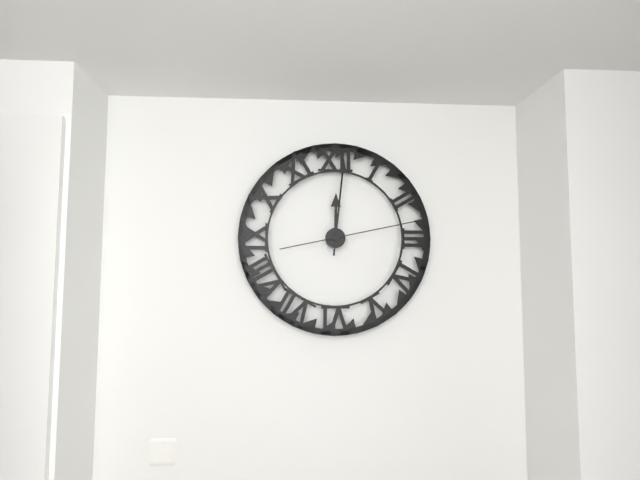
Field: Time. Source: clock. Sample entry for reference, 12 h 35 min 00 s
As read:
12 h 01 min 13 s
